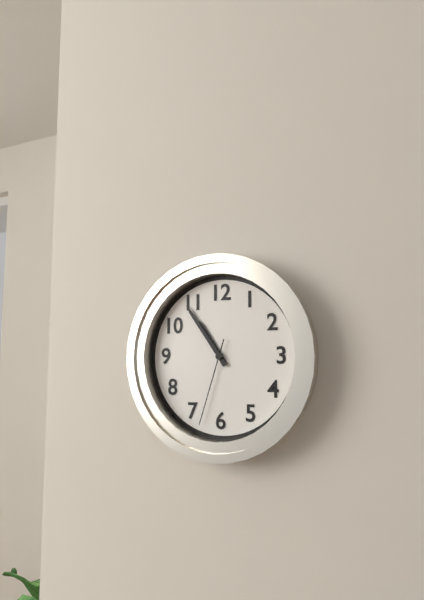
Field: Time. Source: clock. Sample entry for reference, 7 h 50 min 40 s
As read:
10 h 54 min 33 s
